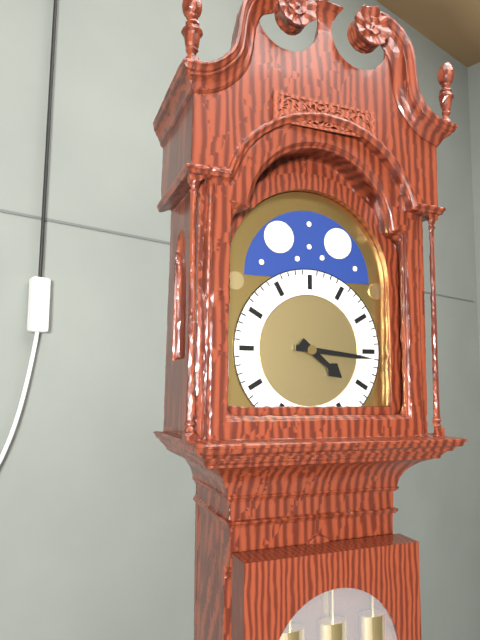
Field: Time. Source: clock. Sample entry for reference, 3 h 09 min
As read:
4 h 16 min
